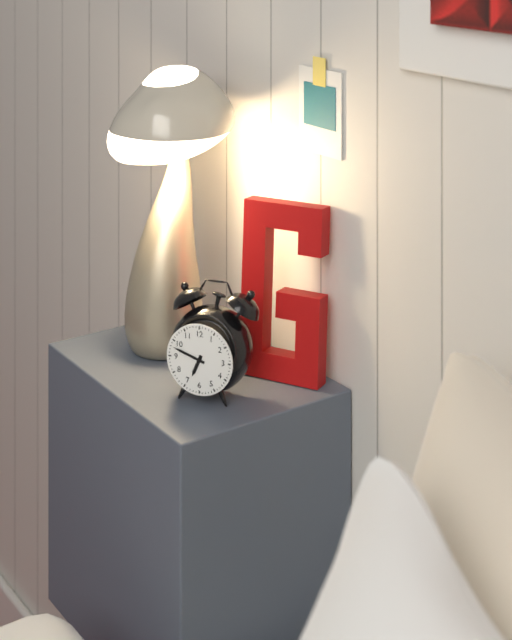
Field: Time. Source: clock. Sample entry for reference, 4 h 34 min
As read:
6 h 48 min
